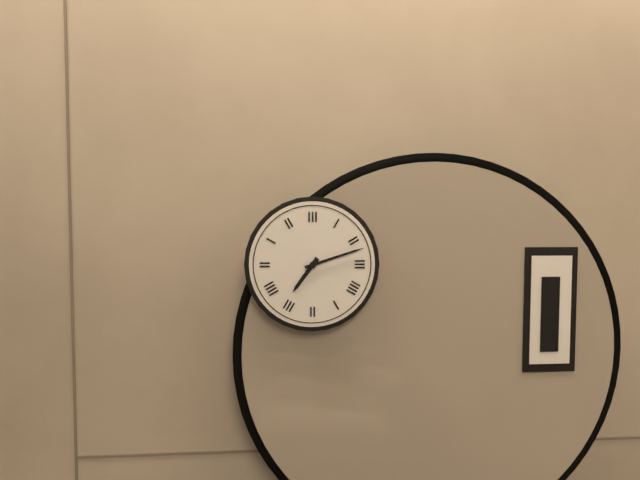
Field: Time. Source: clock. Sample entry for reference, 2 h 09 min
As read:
7 h 12 min
